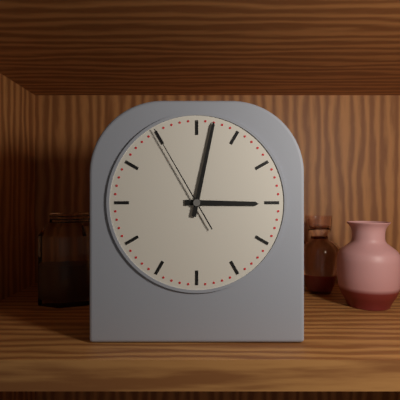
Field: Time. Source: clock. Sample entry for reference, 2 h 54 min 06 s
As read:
3 h 02 min 55 s
